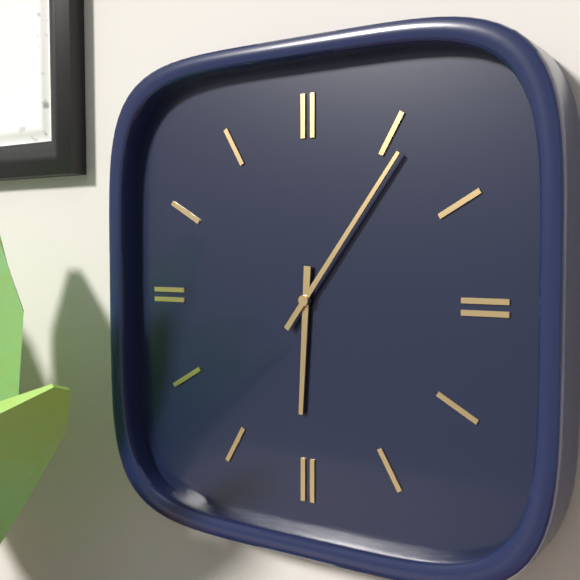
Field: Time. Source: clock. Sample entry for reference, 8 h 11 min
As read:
6 h 06 min
